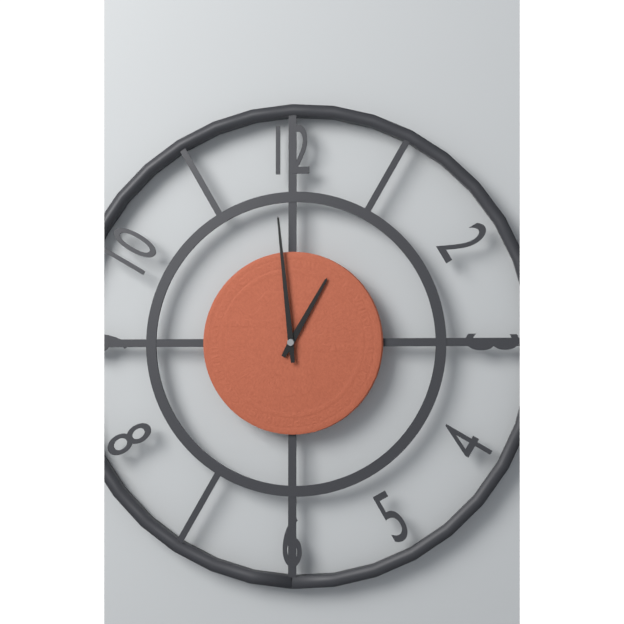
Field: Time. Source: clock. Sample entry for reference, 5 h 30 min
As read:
12 h 59 min
